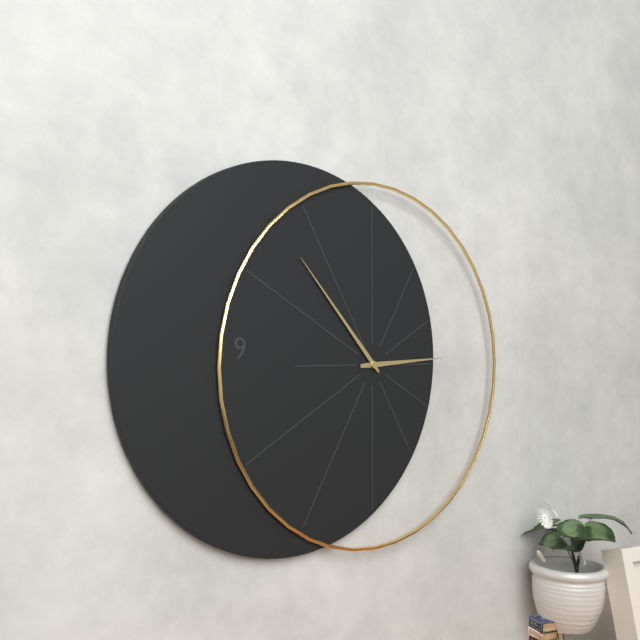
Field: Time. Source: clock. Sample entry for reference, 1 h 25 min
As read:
2 h 53 min
